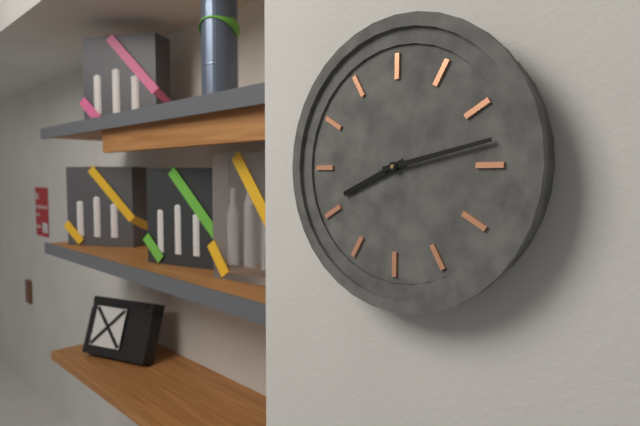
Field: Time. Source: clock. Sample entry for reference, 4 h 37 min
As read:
8 h 13 min
